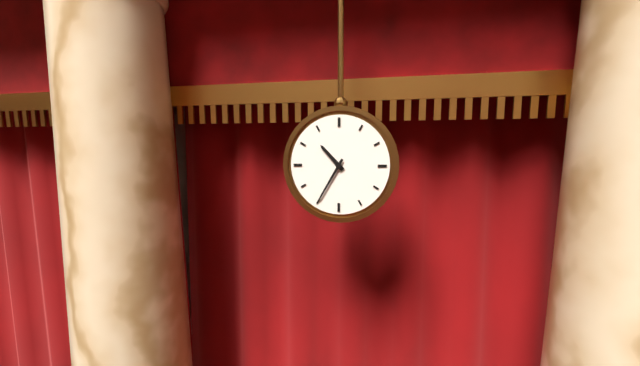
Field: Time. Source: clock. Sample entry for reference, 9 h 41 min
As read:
10 h 35 min
